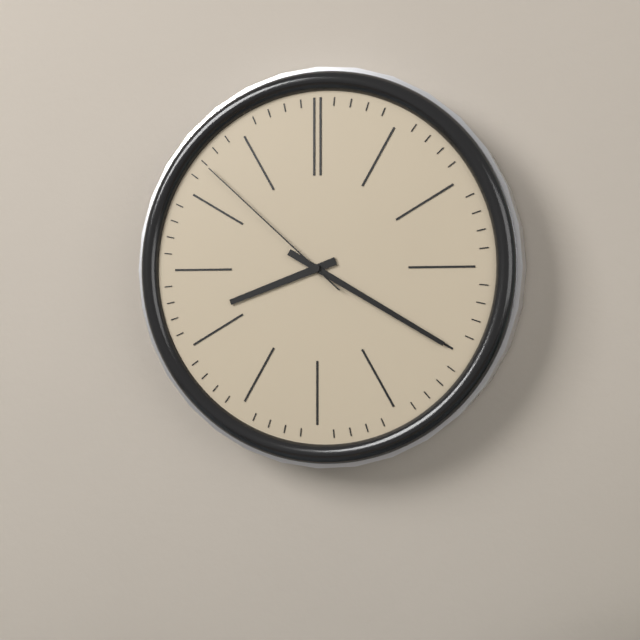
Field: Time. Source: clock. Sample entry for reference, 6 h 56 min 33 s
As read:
8 h 20 min 52 s
